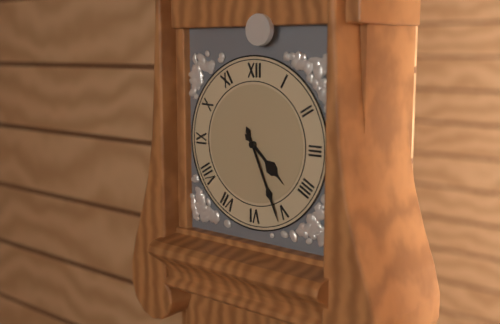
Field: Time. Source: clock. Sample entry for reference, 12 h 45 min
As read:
4 h 26 min
